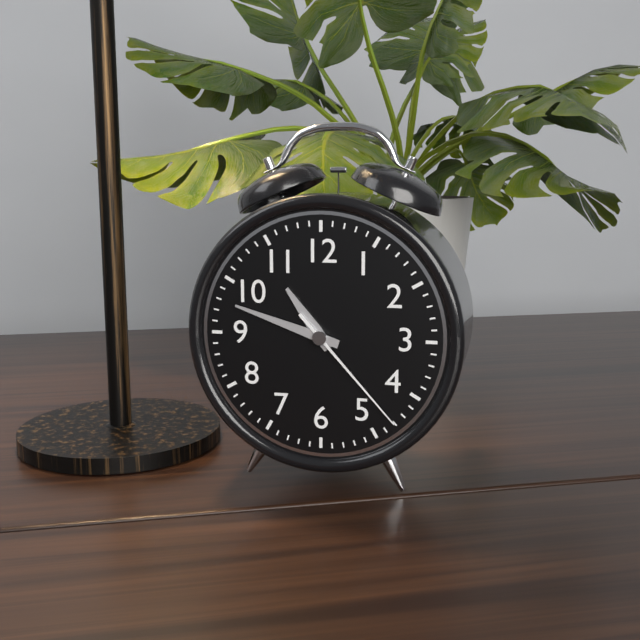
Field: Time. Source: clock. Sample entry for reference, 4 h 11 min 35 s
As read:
10 h 48 min 23 s
